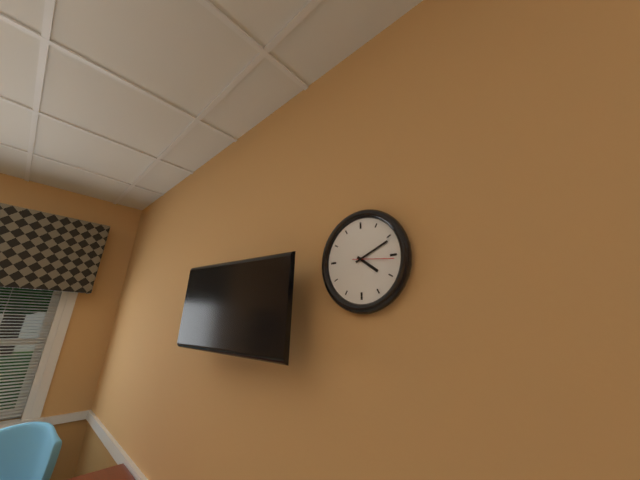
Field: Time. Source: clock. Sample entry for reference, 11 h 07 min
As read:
4 h 11 min
